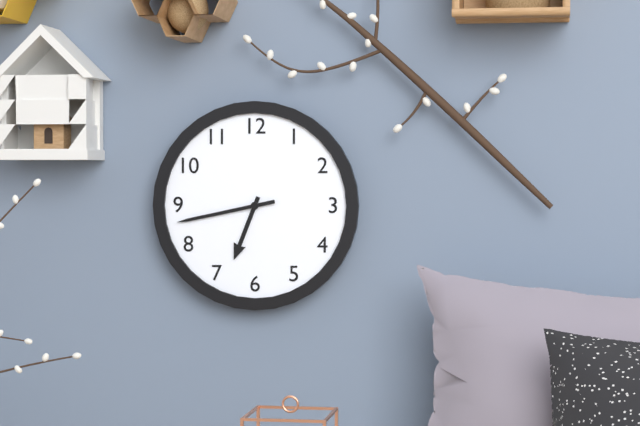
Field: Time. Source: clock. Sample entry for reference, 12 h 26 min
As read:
6 h 43 min
